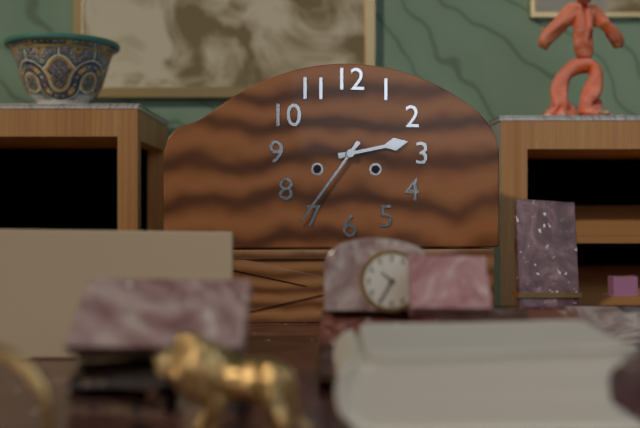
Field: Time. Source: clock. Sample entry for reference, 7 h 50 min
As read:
2 h 36 min
